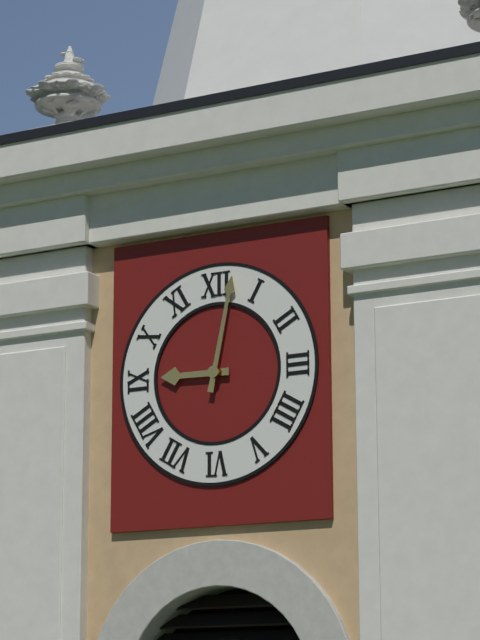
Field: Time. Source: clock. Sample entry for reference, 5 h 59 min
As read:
9 h 02 min
